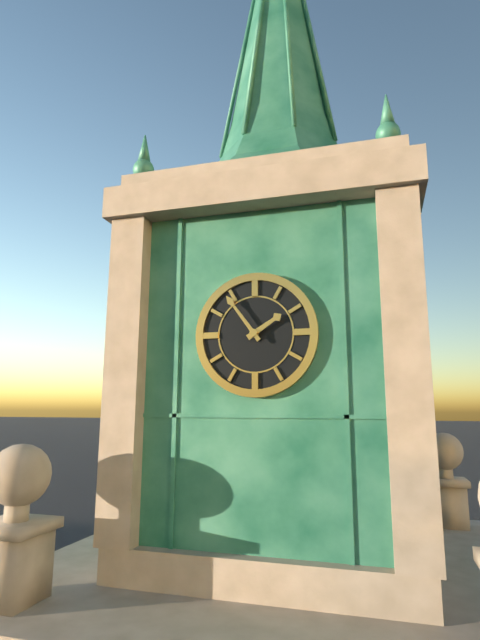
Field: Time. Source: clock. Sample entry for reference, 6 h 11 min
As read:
1 h 54 min
